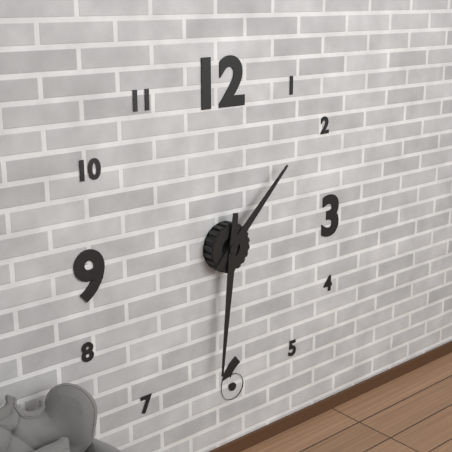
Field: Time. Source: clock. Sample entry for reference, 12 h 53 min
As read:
1 h 31 min
